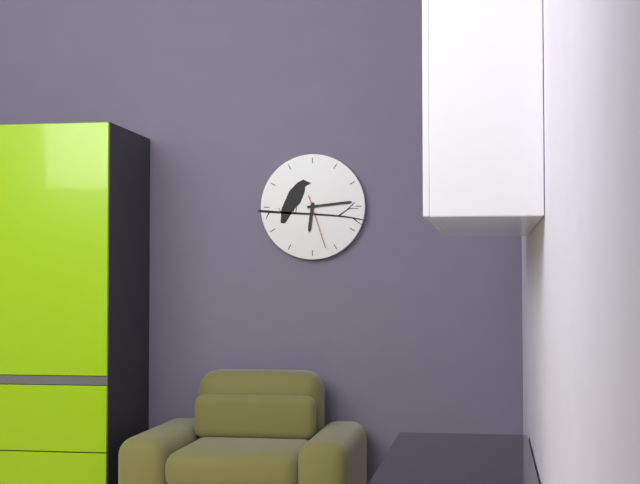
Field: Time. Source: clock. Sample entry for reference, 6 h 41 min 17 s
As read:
6 h 14 min 27 s
